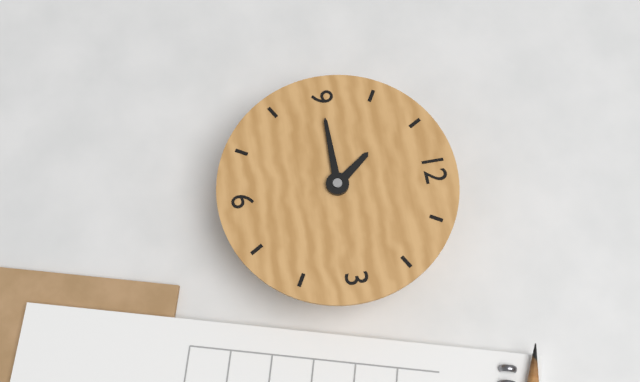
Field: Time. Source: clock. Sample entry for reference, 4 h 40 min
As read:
10 h 45 min
